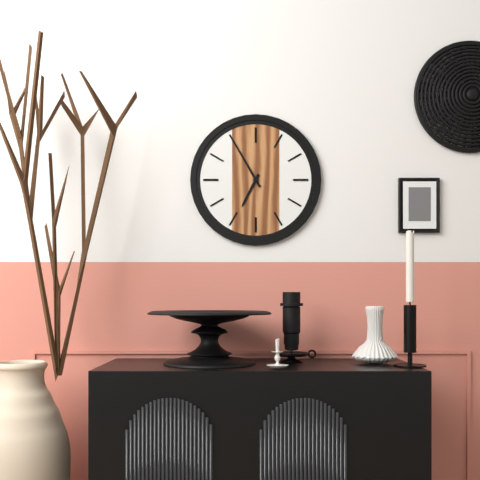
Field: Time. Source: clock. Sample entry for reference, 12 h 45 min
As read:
6 h 55 min
